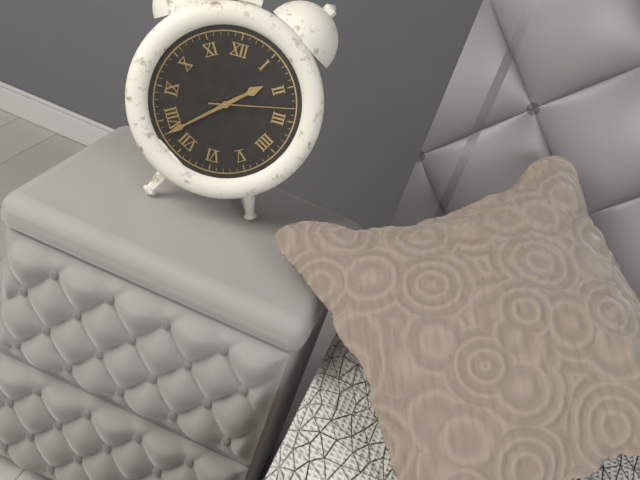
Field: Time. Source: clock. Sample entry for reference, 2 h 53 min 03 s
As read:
1 h 38 min 13 s
